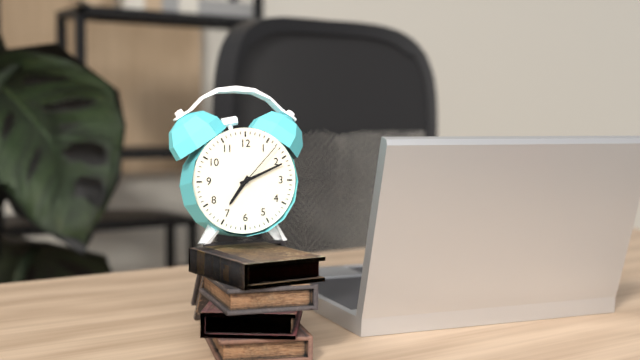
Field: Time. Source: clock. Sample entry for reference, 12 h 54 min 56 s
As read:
7 h 11 min 07 s
